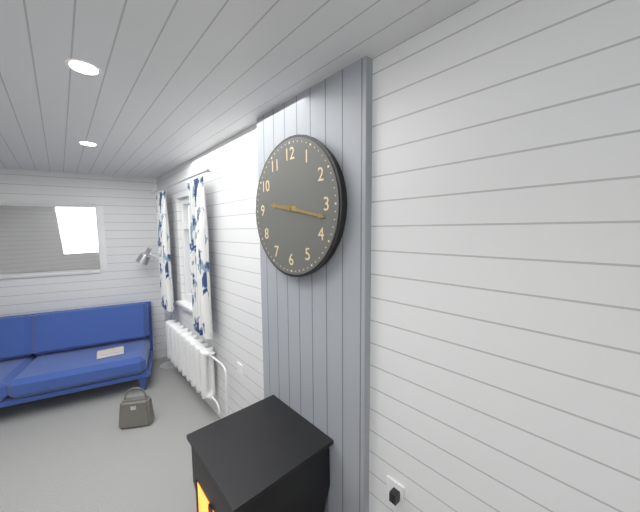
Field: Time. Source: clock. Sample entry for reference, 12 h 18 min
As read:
9 h 17 min
